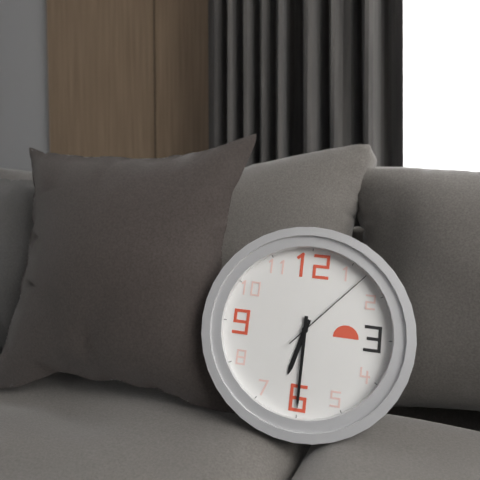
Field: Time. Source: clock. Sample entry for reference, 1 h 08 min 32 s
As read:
6 h 30 min 07 s
